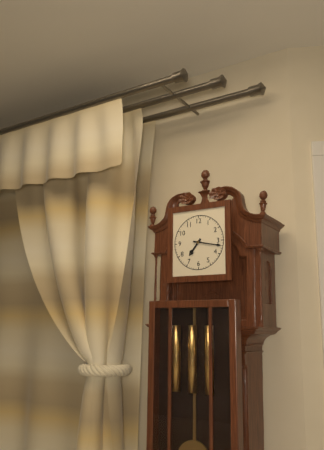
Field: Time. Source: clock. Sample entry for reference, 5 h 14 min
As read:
7 h 17 min
